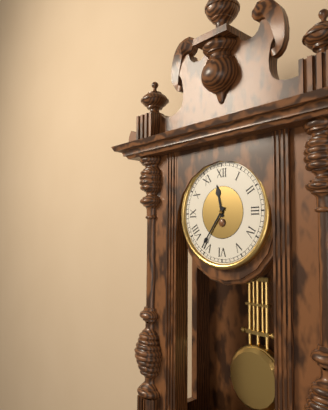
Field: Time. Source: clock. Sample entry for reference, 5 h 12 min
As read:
11 h 36 min
